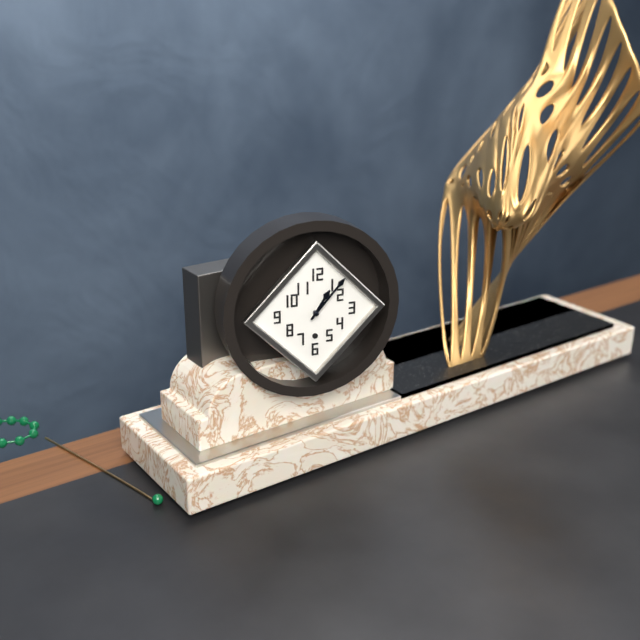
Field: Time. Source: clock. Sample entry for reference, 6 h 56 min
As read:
1 h 07 min
